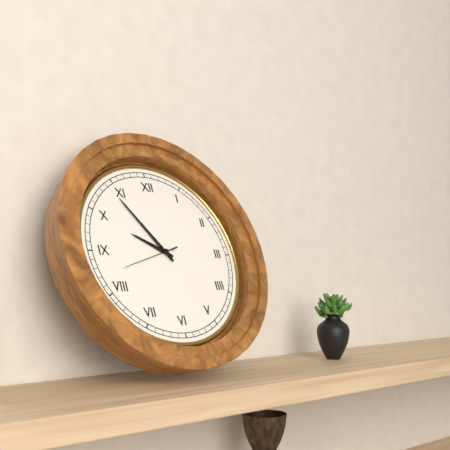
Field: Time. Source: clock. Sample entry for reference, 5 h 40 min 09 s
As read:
9 h 54 min 42 s
